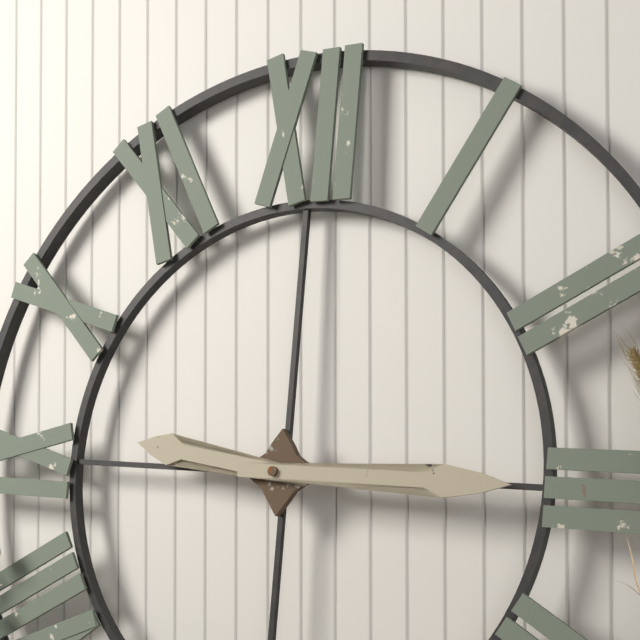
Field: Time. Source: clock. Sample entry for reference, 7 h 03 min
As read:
9 h 15 min
